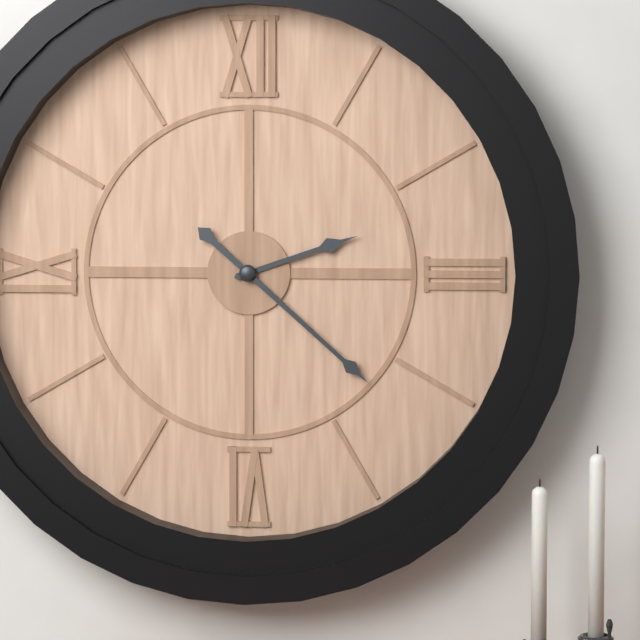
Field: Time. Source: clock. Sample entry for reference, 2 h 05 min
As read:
2 h 22 min
